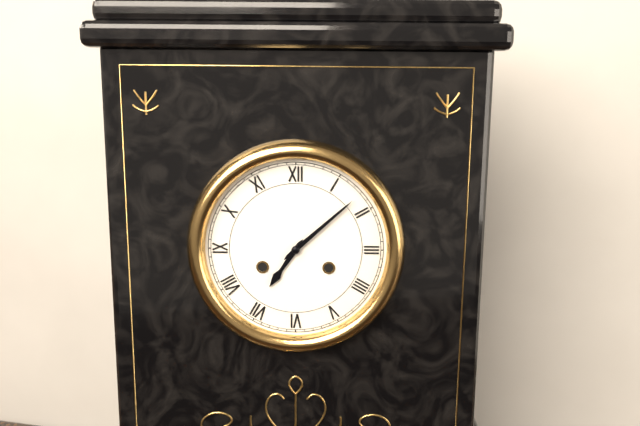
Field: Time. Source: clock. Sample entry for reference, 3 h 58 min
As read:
7 h 08 min
